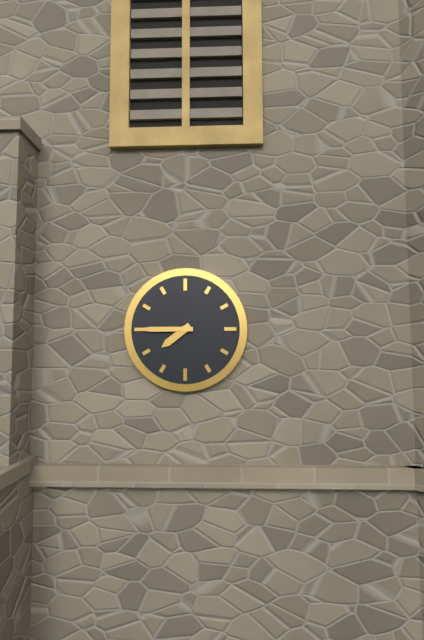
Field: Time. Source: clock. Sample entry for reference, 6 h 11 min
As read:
7 h 45 min
